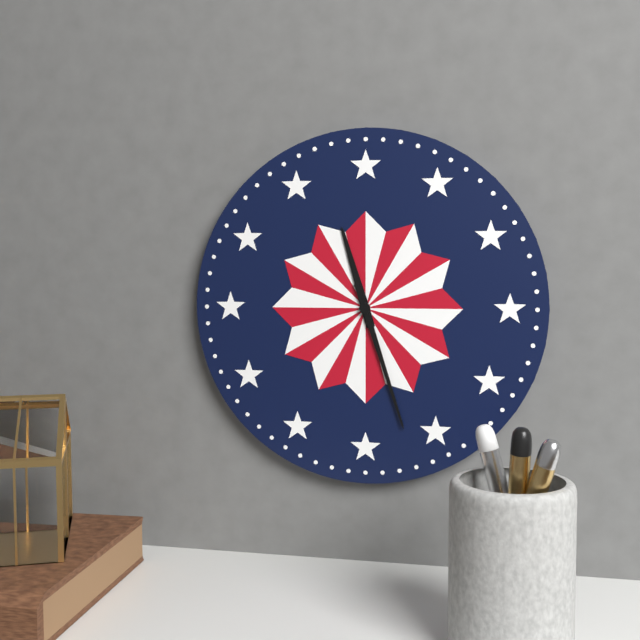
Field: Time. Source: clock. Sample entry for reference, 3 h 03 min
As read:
11 h 27 min
